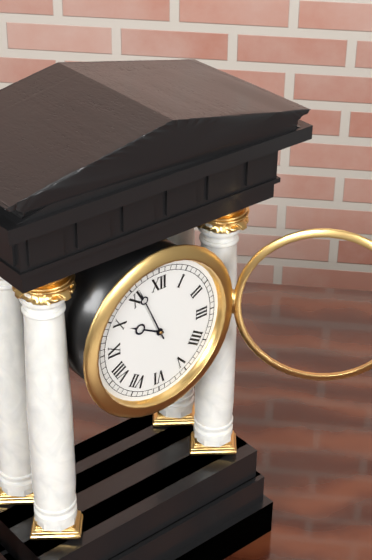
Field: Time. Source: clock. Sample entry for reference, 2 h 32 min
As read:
9 h 56 min
